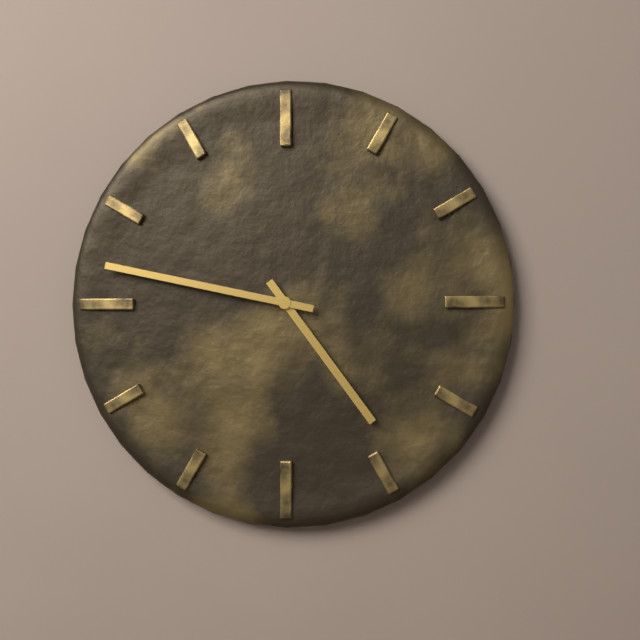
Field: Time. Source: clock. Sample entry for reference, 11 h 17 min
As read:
4 h 47 min
